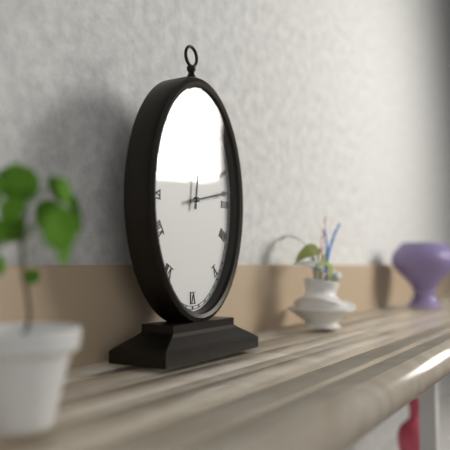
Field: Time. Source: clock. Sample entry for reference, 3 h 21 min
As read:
12 h 13 min
